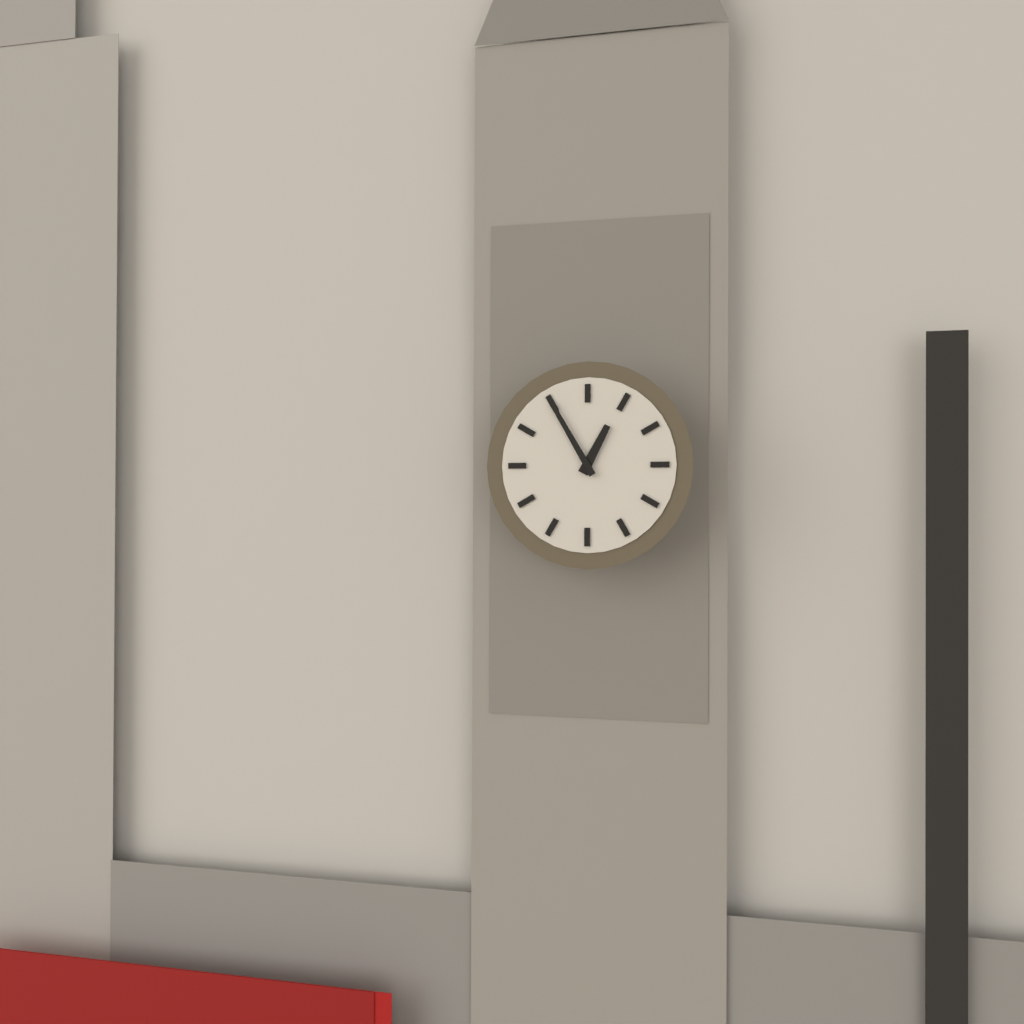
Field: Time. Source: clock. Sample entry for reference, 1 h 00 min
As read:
12 h 55 min
